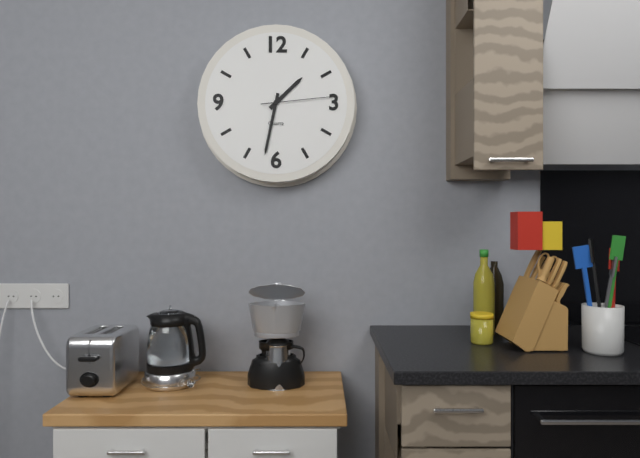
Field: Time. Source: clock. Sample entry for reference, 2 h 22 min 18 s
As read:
1 h 32 min 14 s
